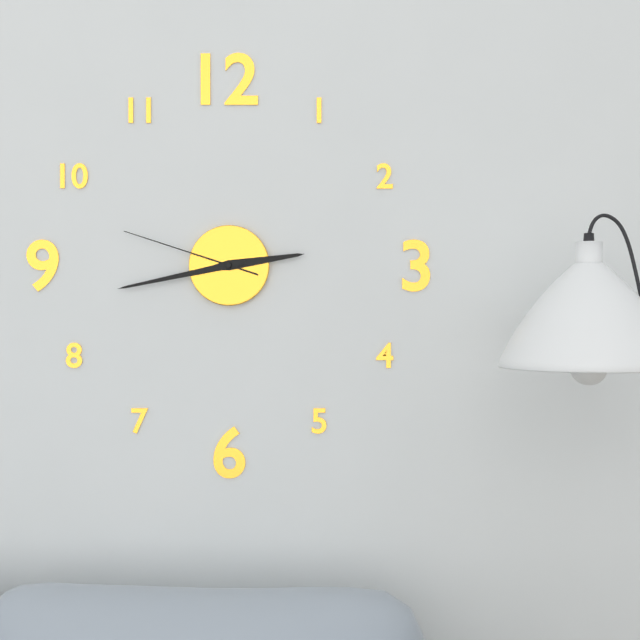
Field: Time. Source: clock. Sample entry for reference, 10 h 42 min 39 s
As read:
2 h 43 min 48 s
